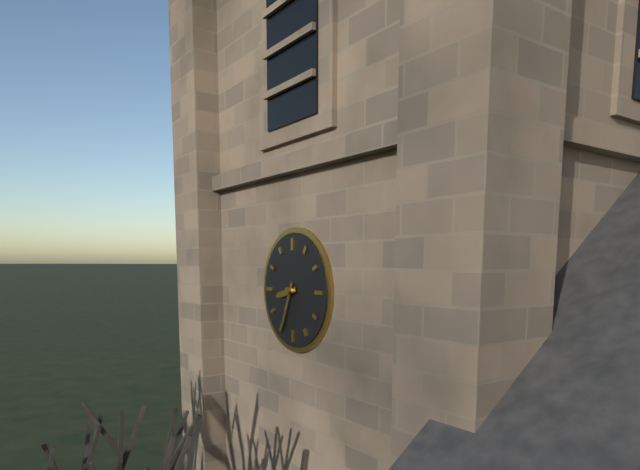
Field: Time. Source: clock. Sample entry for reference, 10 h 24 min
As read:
8 h 34 min
